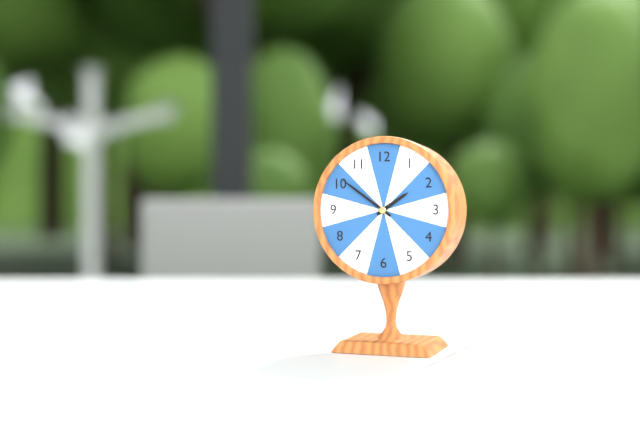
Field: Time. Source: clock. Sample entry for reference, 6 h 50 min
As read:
1 h 51 min
